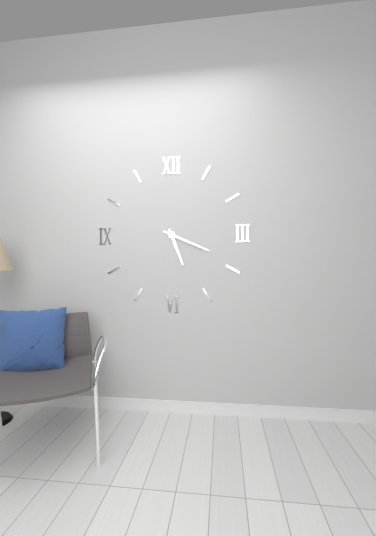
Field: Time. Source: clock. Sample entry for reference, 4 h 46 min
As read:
5 h 19 min
